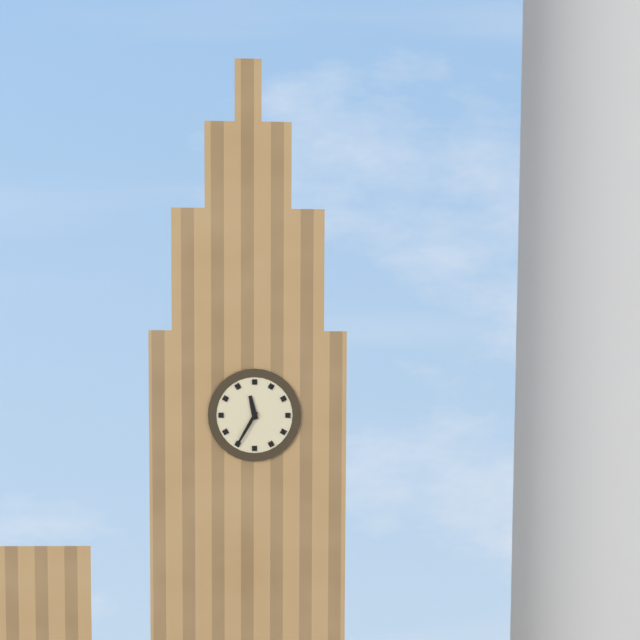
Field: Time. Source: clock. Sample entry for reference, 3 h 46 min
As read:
11 h 35 min
